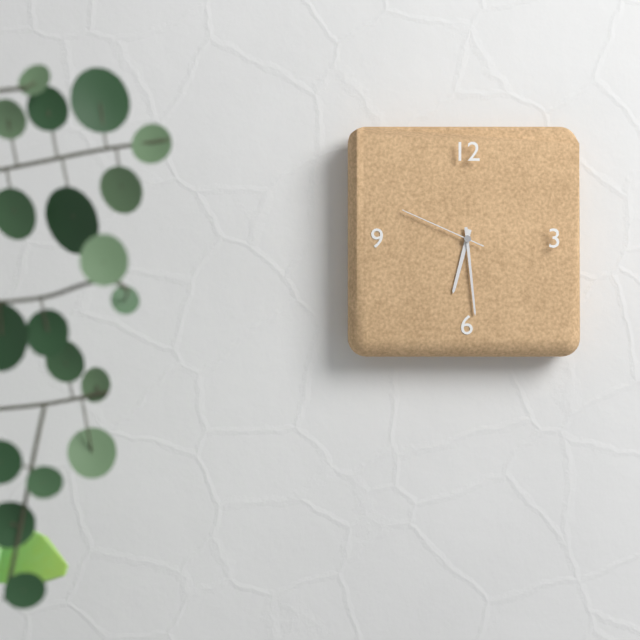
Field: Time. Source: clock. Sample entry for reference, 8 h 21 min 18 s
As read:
6 h 29 min 49 s
